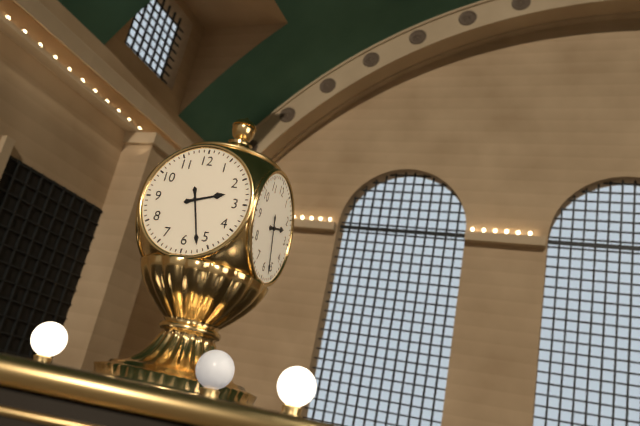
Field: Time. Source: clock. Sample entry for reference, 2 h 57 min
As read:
2 h 27 min
